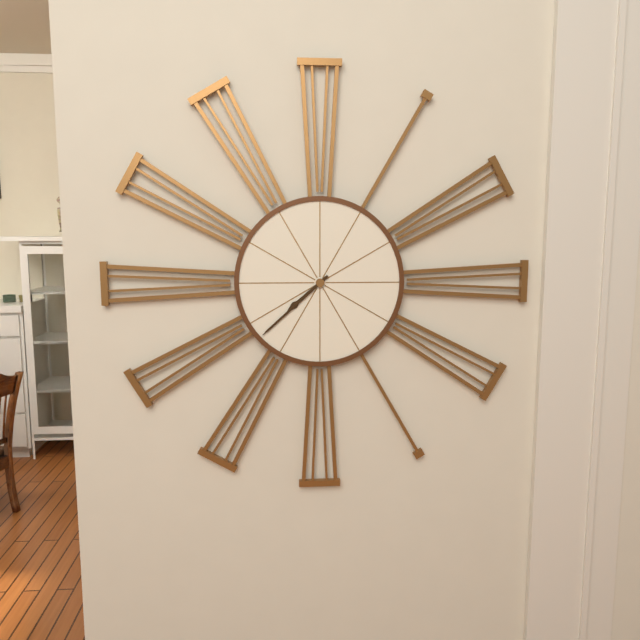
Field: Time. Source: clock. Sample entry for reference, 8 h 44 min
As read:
7 h 38 min
